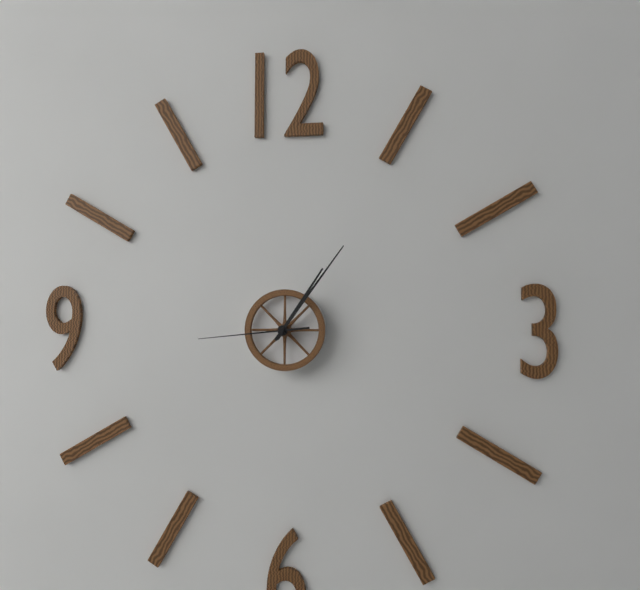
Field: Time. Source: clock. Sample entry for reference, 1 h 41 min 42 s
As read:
1 h 06 min 44 s
